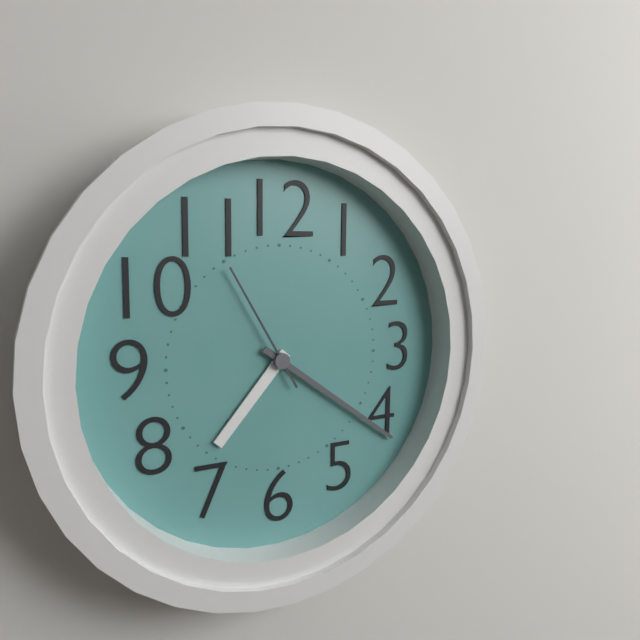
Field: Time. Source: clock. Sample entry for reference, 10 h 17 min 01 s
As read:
7 h 21 min 55 s
